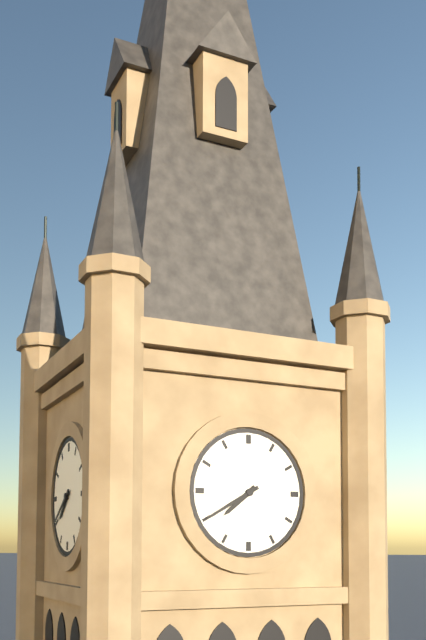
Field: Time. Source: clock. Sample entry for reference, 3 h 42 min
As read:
7 h 40 min
